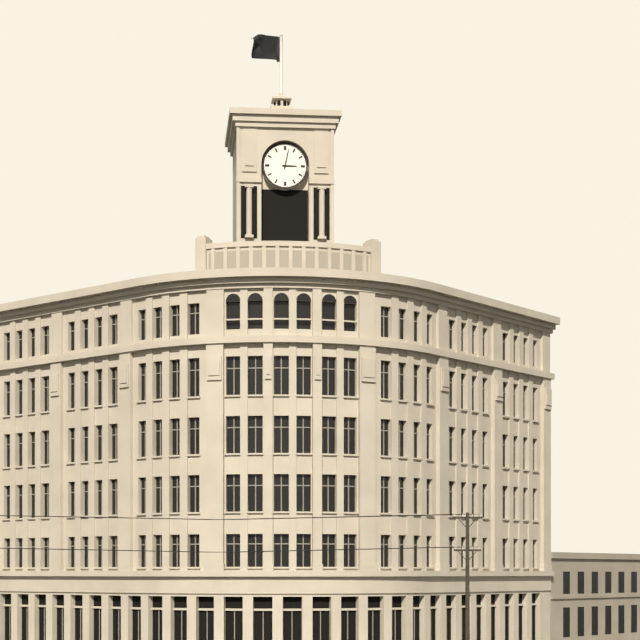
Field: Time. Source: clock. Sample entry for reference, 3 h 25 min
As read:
3 h 02 min
